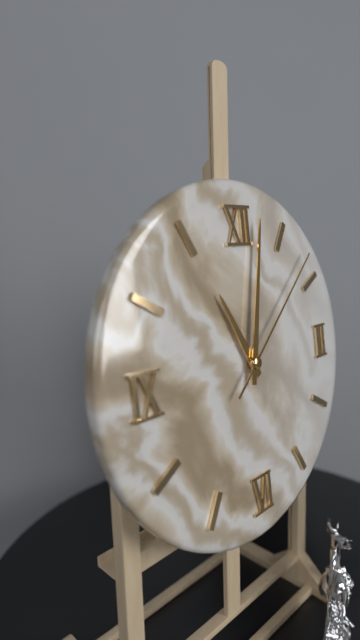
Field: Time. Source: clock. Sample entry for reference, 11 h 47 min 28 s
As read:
11 h 02 min 08 s
